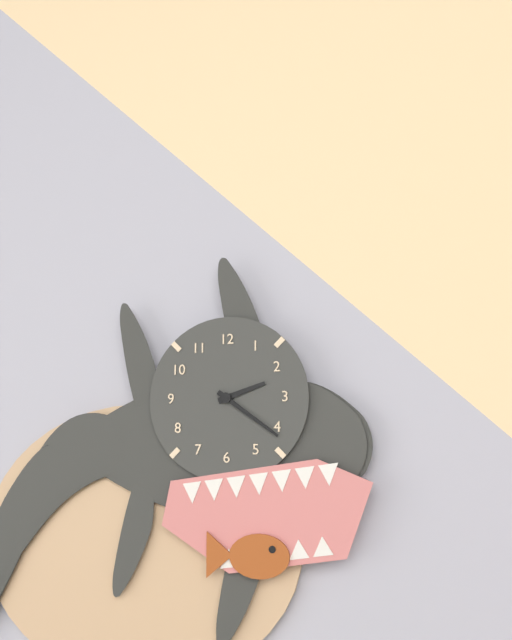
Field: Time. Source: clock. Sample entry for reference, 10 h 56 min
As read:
2 h 21 min
